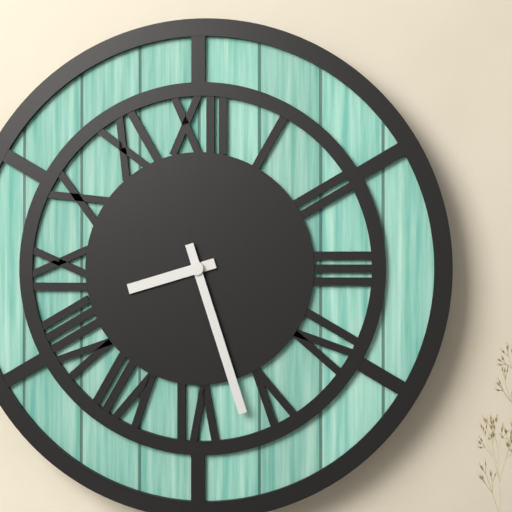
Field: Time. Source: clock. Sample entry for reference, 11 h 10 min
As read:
8 h 27 min
